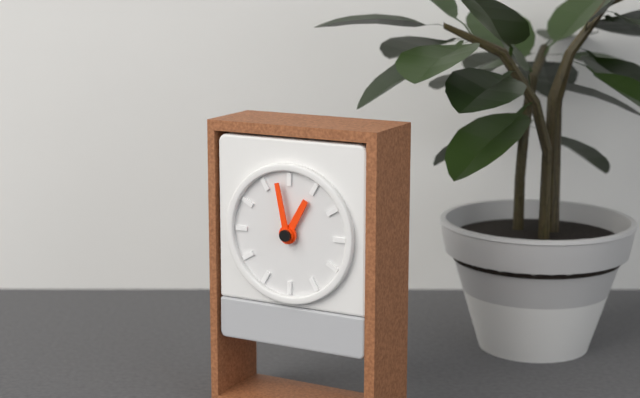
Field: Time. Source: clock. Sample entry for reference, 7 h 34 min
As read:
12 h 58 min
